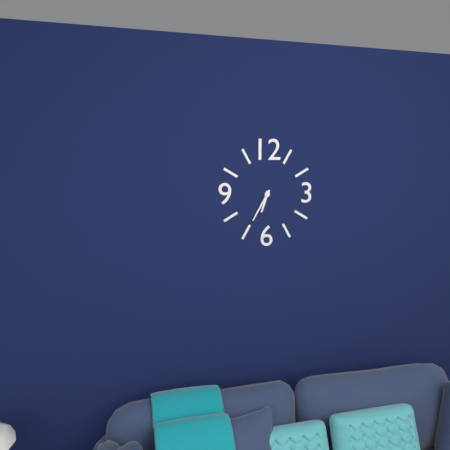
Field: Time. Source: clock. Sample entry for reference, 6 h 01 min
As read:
6 h 35 min
